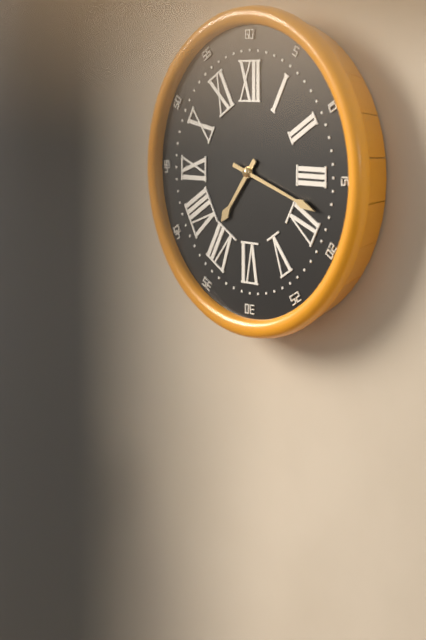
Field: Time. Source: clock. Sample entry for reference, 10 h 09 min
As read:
7 h 18 min
